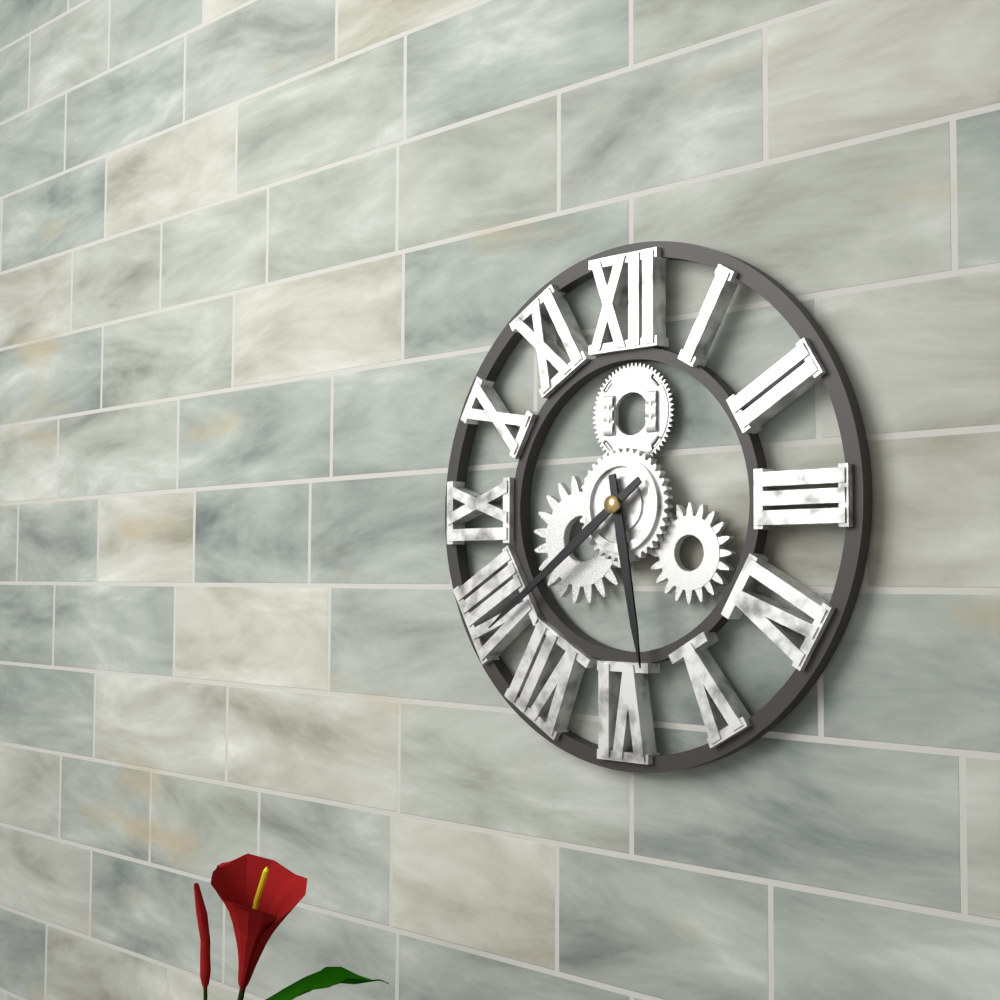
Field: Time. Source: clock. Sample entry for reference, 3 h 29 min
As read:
5 h 39 min
